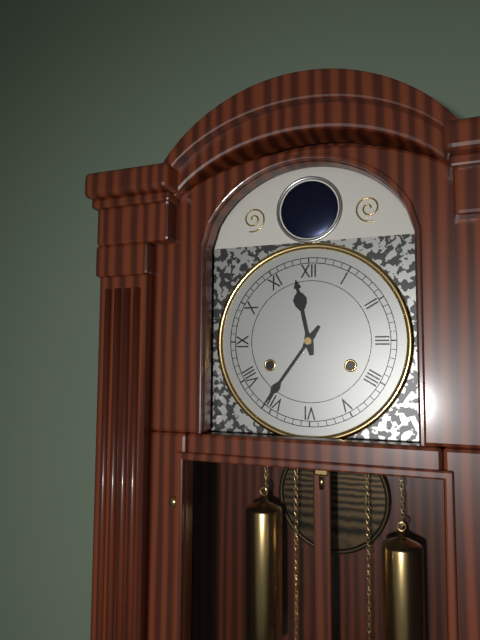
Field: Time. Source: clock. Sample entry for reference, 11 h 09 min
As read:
11 h 36 min
